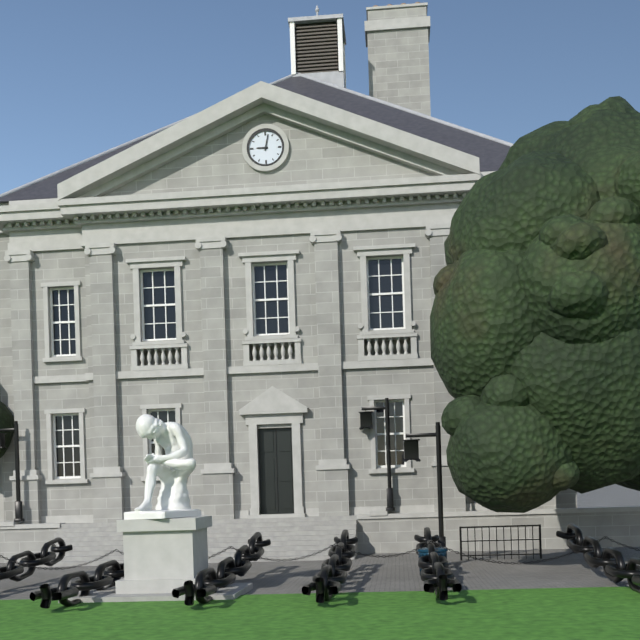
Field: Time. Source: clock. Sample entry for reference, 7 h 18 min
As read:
9 h 02 min
